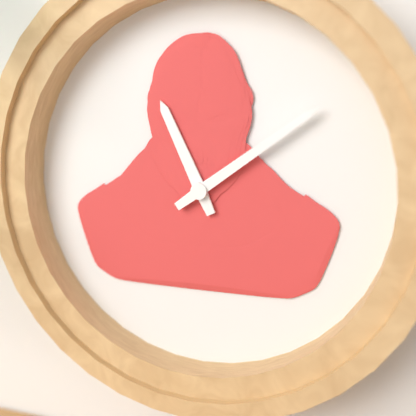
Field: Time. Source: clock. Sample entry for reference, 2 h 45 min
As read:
11 h 09 min
